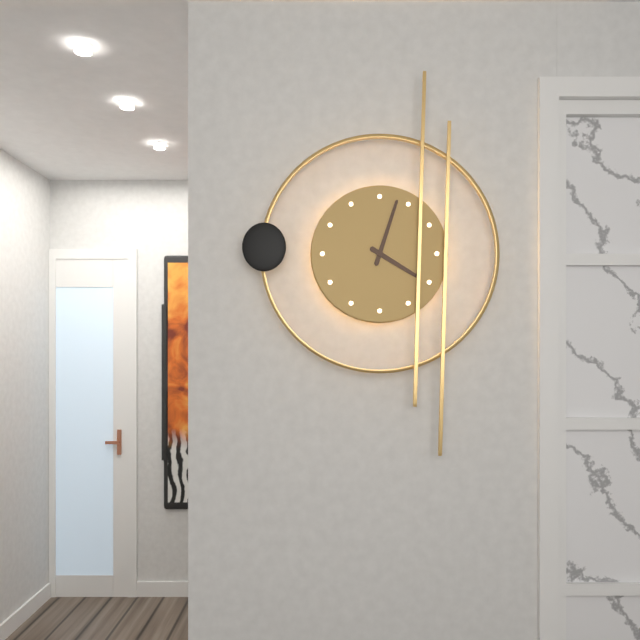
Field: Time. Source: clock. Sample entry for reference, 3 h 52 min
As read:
4 h 03 min
